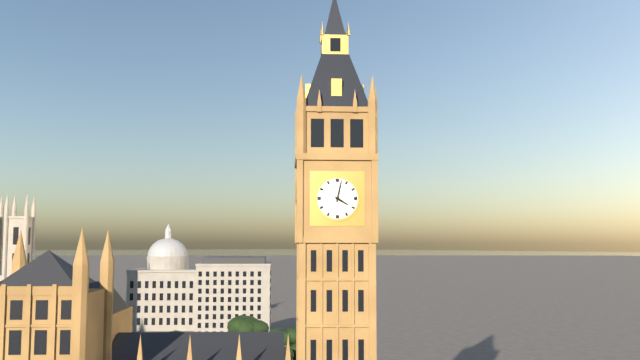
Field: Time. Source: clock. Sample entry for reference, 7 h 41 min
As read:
4 h 02 min
